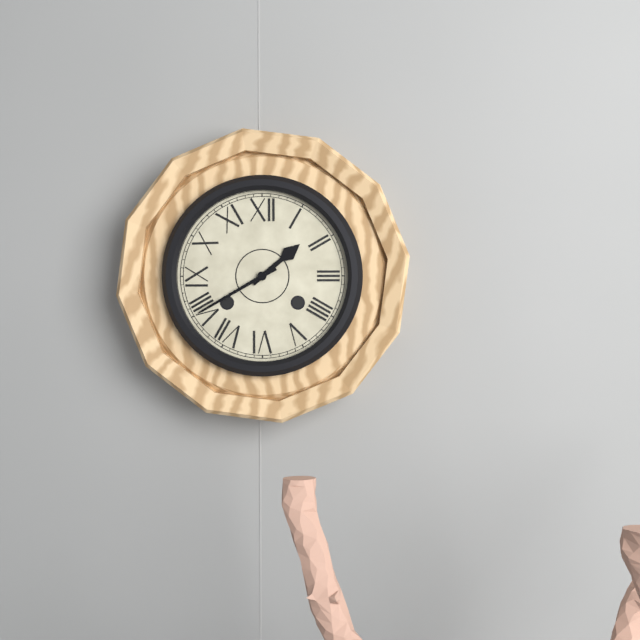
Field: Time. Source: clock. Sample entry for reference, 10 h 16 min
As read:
1 h 40 min
